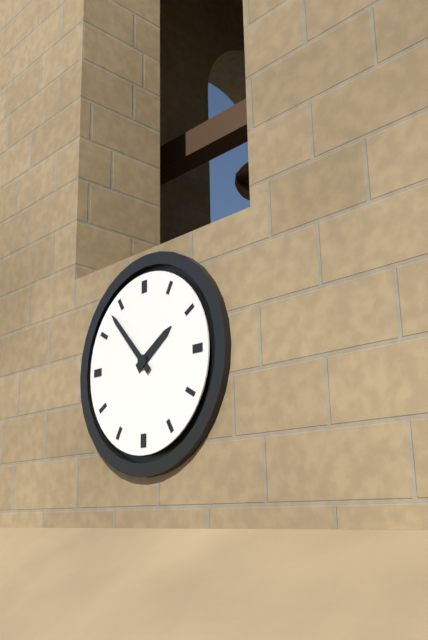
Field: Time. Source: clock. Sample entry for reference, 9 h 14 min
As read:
1 h 53 min
